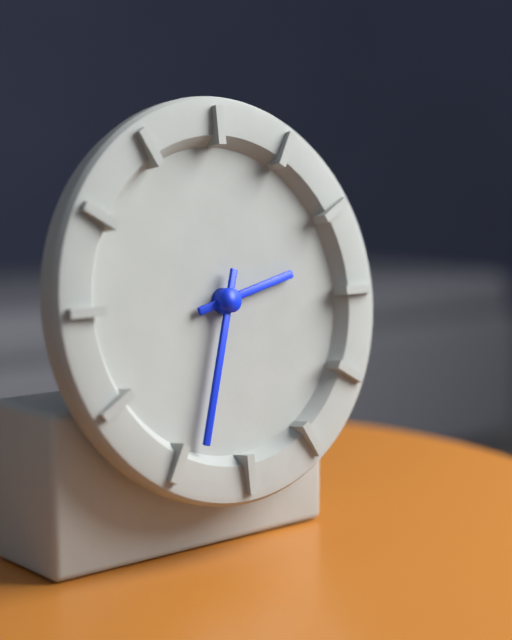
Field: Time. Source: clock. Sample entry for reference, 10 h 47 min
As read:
2 h 33 min
